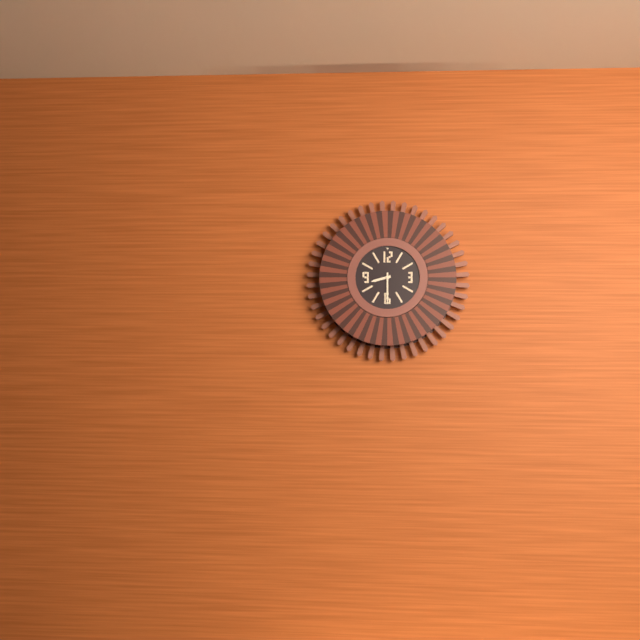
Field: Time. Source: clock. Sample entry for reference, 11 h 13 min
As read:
8 h 30 min
